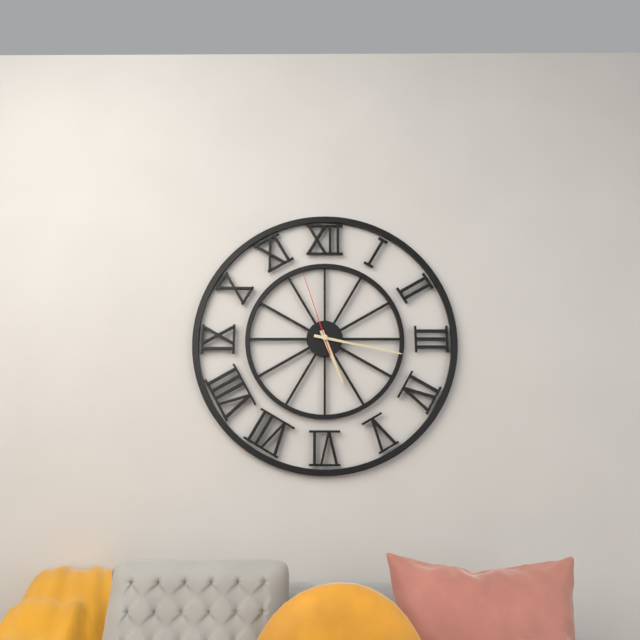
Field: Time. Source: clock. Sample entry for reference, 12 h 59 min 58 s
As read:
5 h 17 min 57 s
